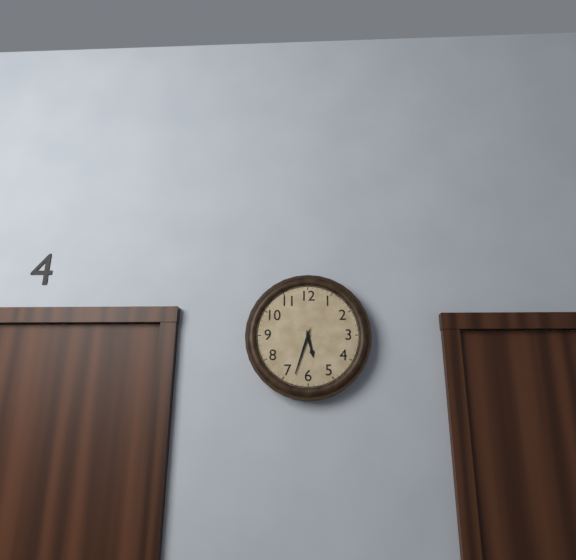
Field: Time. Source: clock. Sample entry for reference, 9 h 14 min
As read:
5 h 33 min
